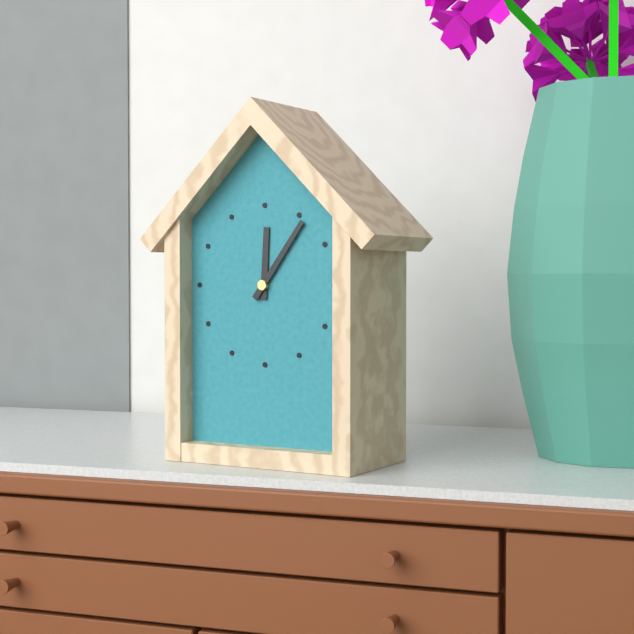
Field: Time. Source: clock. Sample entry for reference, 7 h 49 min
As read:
12 h 06 min
